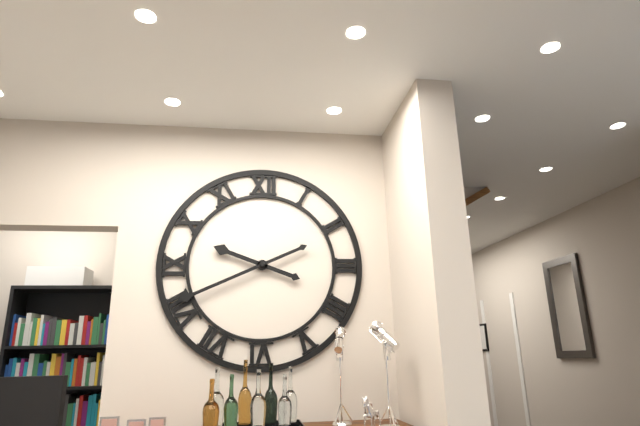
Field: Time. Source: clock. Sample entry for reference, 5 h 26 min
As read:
9 h 41 min
